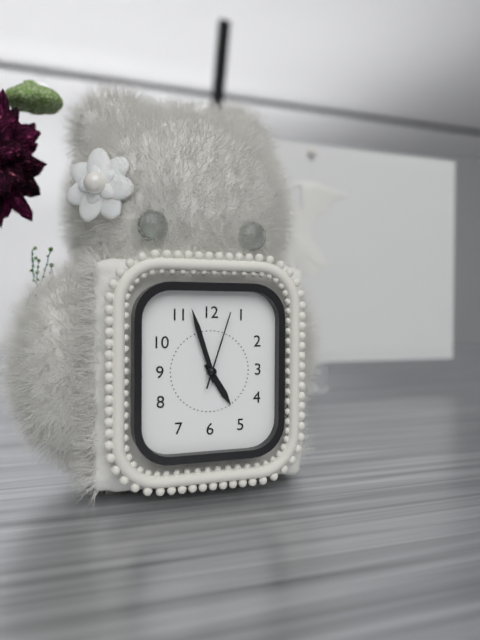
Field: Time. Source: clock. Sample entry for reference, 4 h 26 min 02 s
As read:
4 h 57 min 03 s
